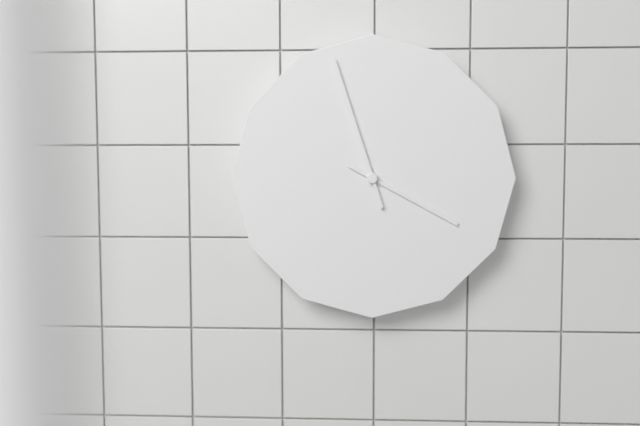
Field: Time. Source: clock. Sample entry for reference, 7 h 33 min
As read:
3 h 57 min
